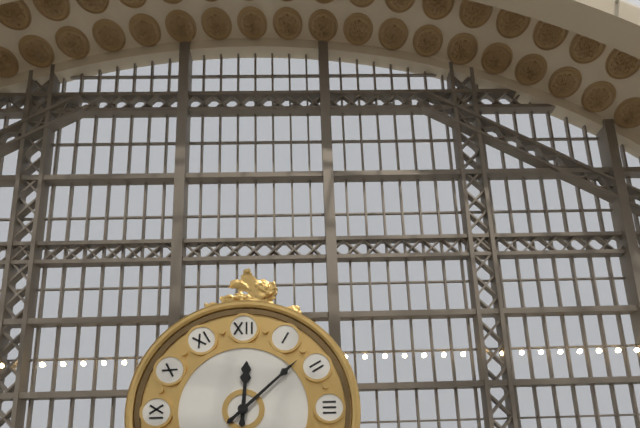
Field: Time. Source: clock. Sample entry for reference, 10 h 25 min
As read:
12 h 08 min
